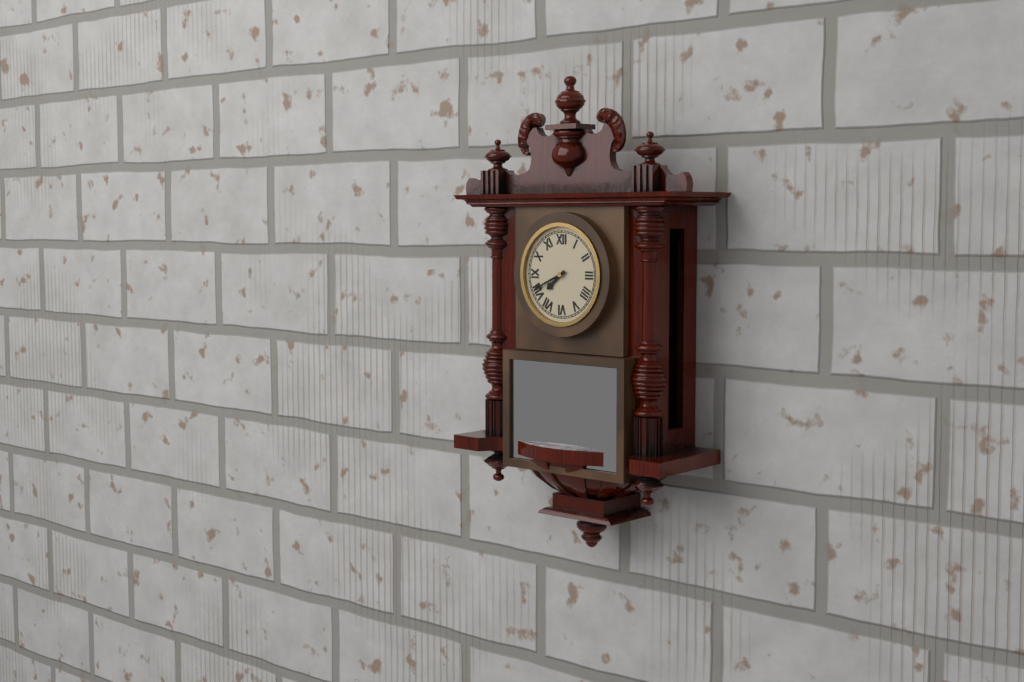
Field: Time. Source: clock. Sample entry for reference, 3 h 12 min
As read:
7 h 41 min
